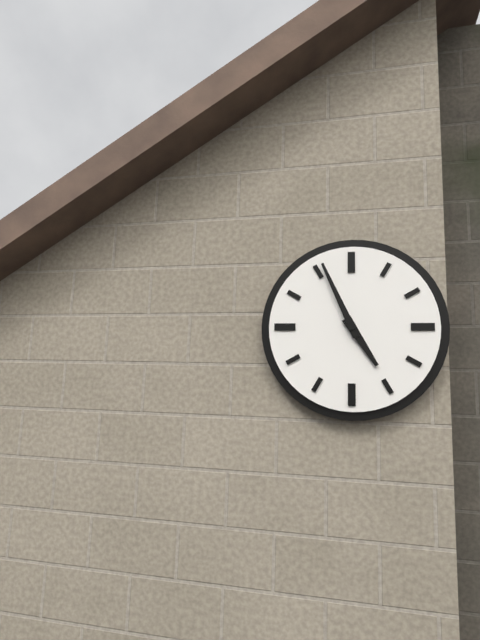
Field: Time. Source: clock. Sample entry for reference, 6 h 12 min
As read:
4 h 56 min
